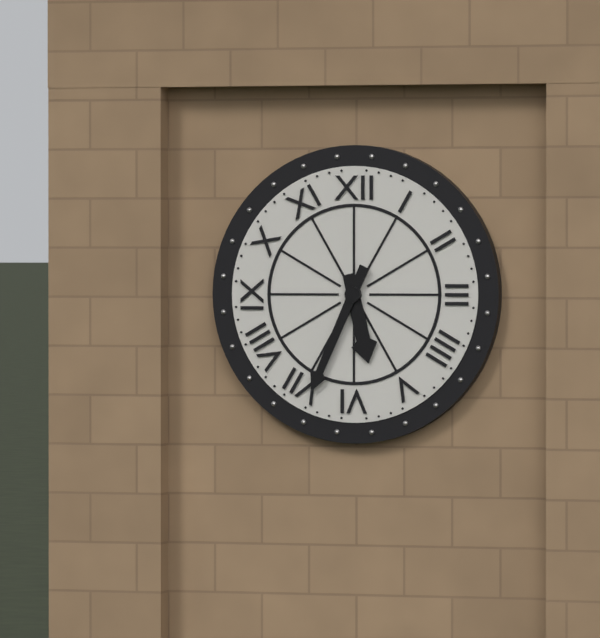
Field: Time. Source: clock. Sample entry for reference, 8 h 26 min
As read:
5 h 34 min
